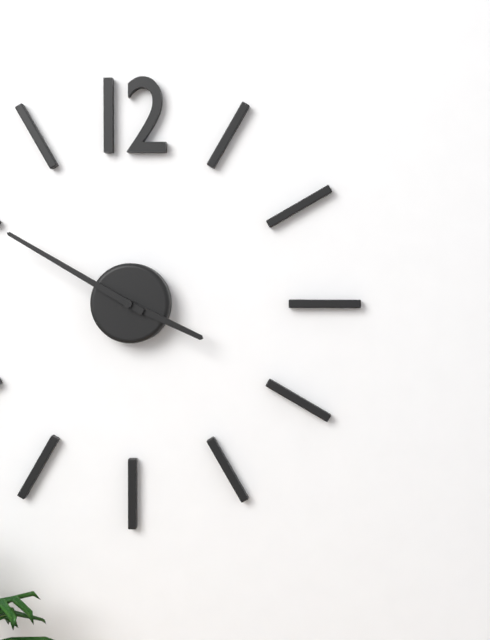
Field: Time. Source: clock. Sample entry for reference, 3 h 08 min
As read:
3 h 50 min
